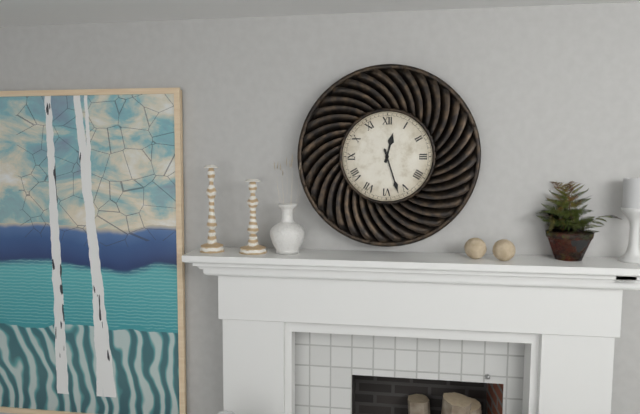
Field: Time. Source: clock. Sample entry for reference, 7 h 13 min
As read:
12 h 27 min
